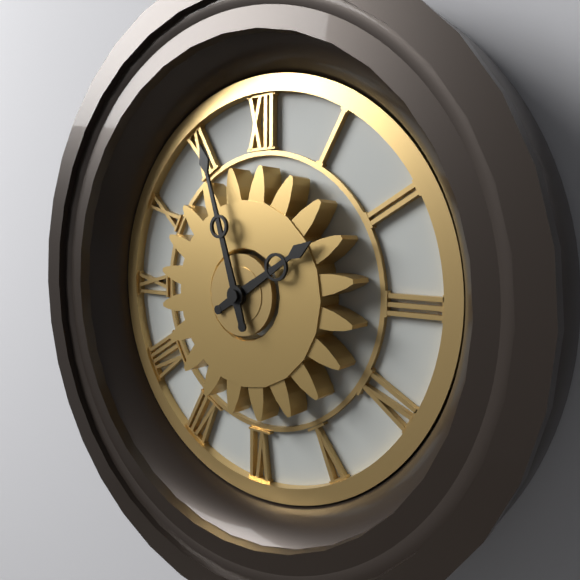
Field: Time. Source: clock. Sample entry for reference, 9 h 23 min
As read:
1 h 57 min
